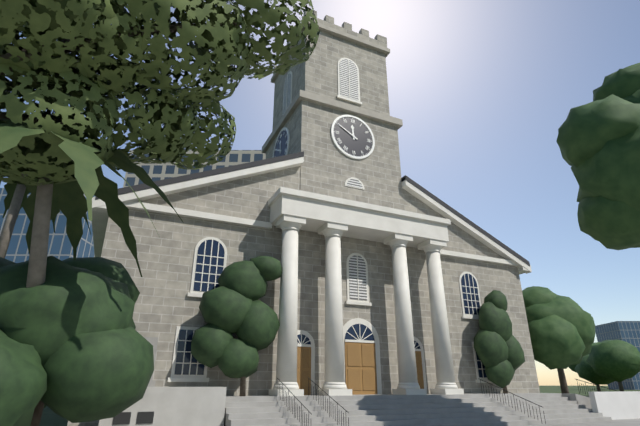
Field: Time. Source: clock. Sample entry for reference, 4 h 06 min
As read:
11 h 50 min
